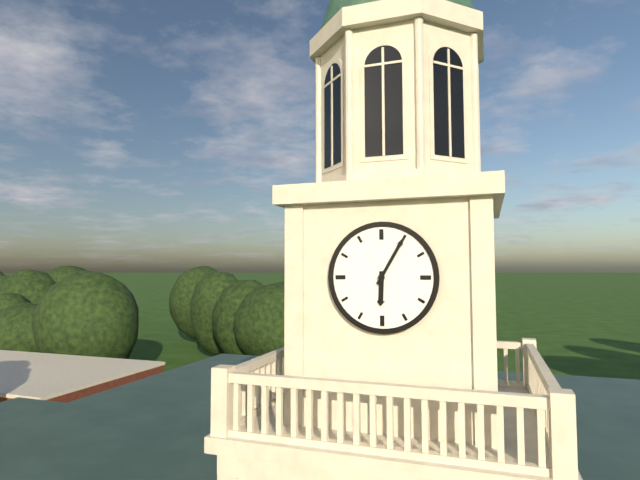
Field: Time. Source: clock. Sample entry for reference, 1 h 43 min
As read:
6 h 05 min
